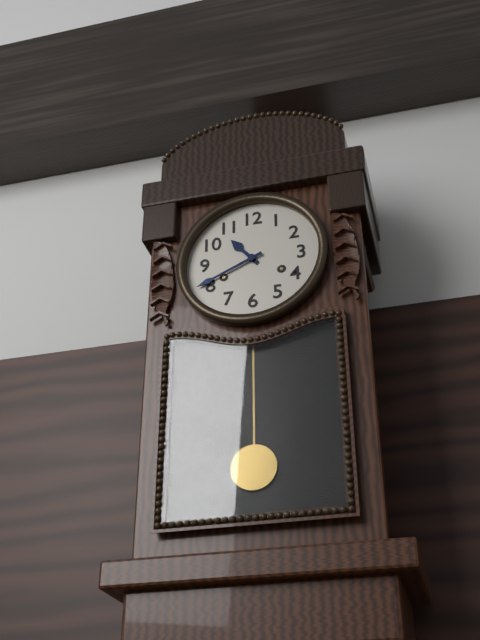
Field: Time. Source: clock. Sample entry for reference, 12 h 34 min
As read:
10 h 41 min
